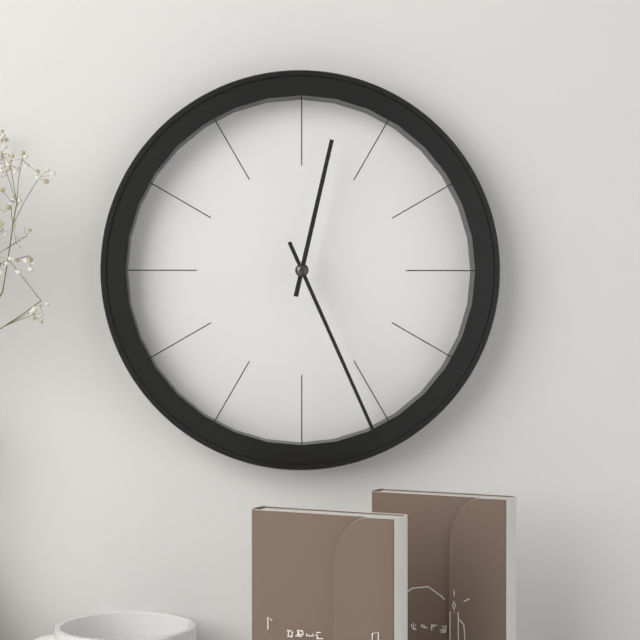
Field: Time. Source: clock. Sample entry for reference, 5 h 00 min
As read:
12 h 26 min
